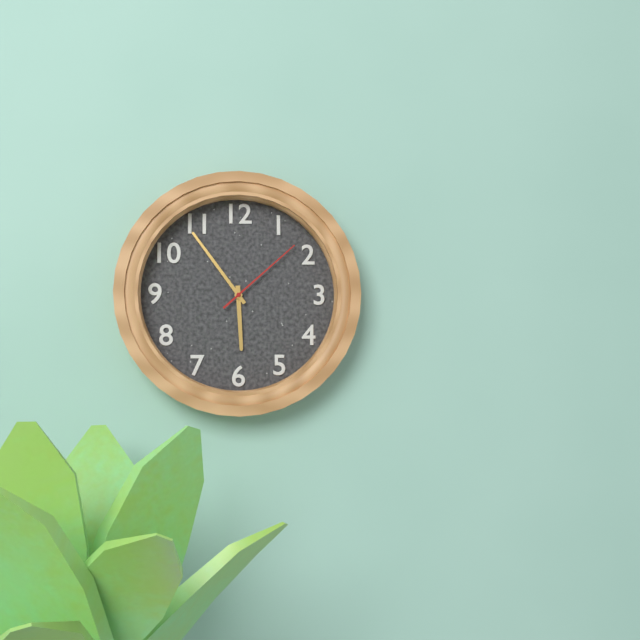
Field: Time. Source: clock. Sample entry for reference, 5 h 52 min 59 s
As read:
5 h 54 min 08 s
